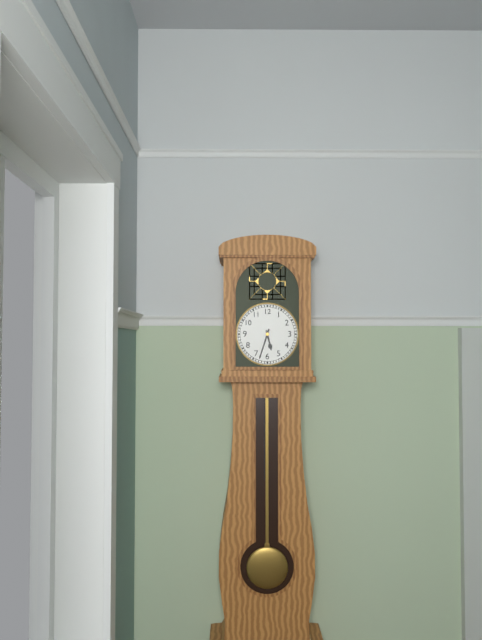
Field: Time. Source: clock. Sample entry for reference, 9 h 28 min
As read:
5 h 33 min
